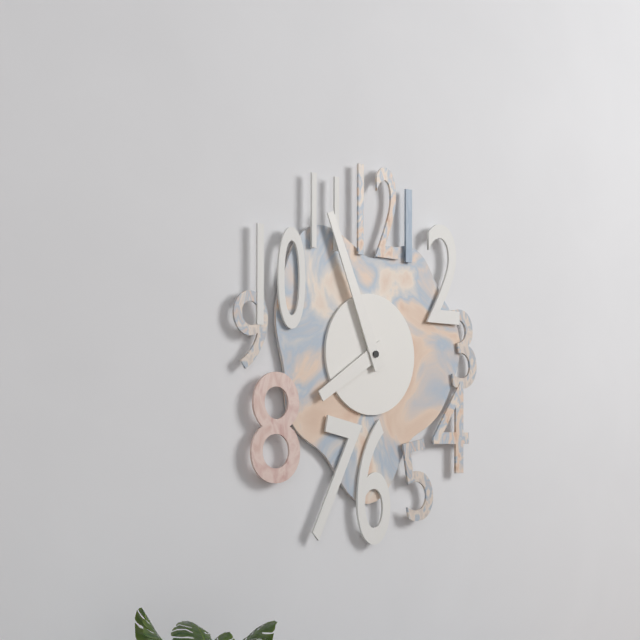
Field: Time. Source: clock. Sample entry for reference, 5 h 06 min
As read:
7 h 56 min
